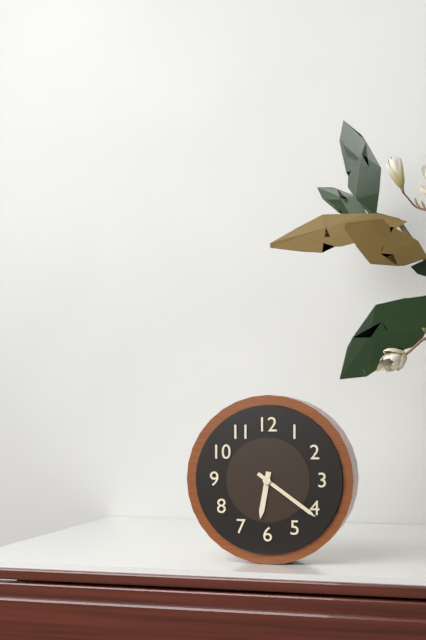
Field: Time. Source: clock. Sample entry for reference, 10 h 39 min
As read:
6 h 21 min
